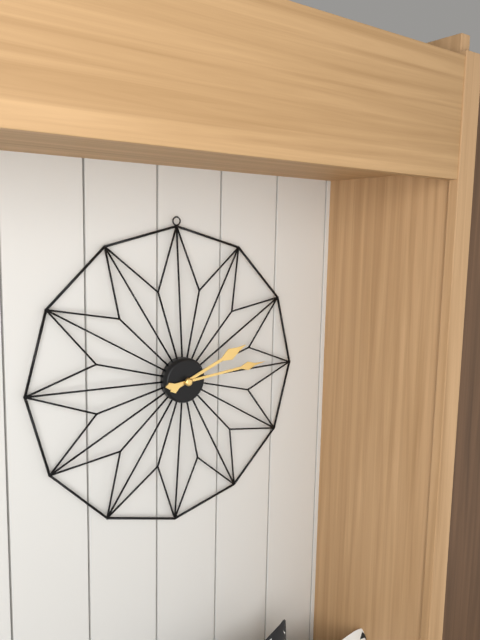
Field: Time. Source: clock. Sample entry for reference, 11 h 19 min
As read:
2 h 14 min
